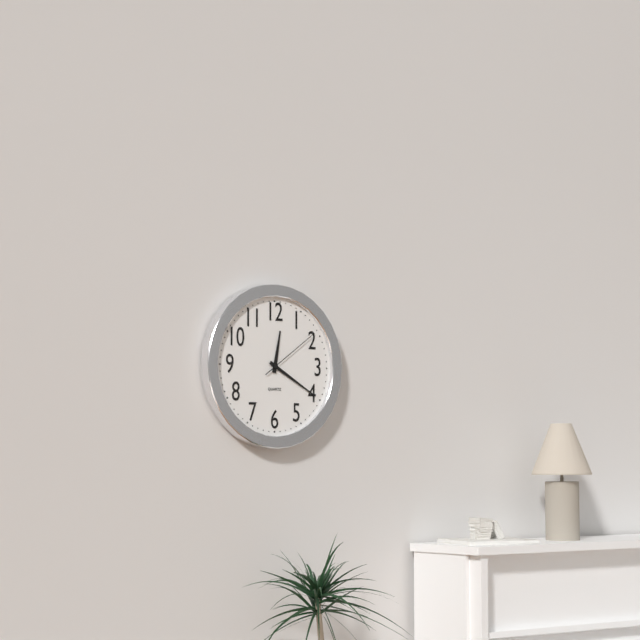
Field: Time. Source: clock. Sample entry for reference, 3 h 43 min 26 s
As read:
12 h 20 min 09 s
